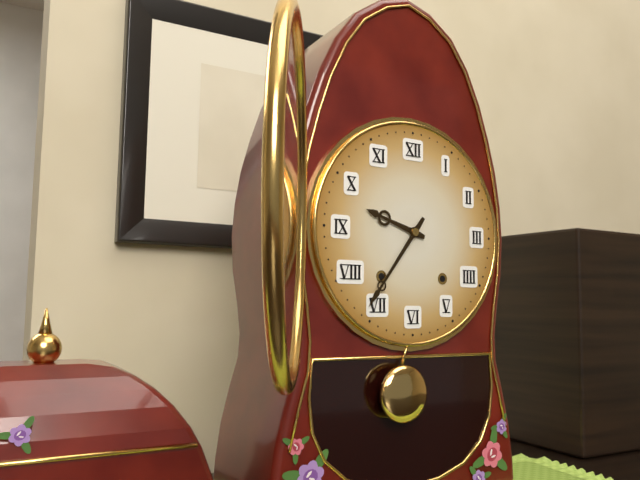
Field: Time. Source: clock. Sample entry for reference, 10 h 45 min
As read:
9 h 36 min
